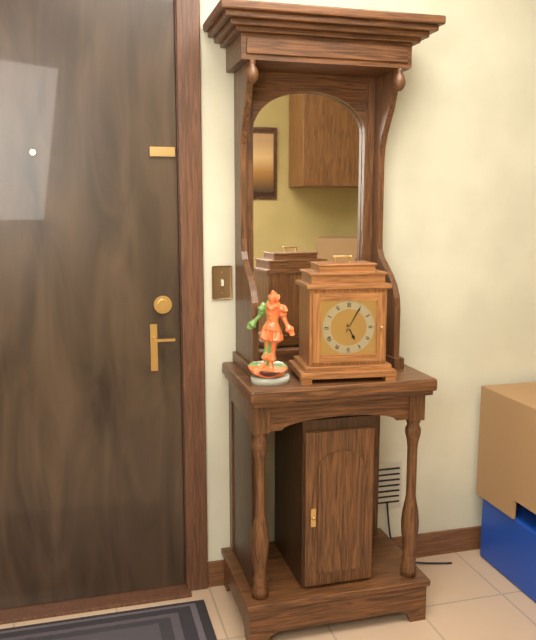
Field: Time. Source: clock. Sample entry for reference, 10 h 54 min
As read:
5 h 05 min
